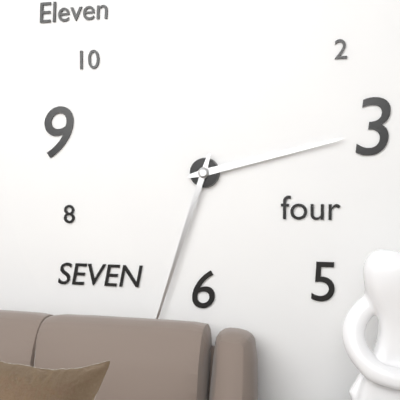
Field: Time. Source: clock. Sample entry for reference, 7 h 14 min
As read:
2 h 33 min
